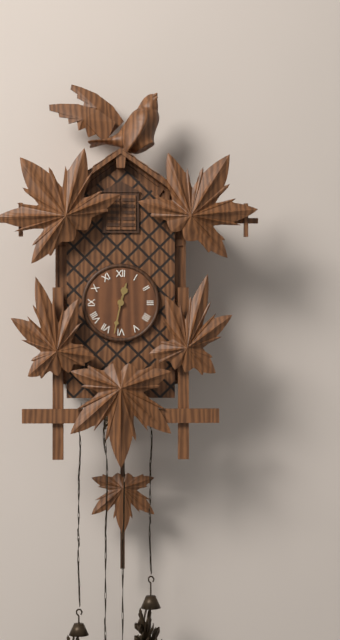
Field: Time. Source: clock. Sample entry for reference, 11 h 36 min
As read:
12 h 32 min
